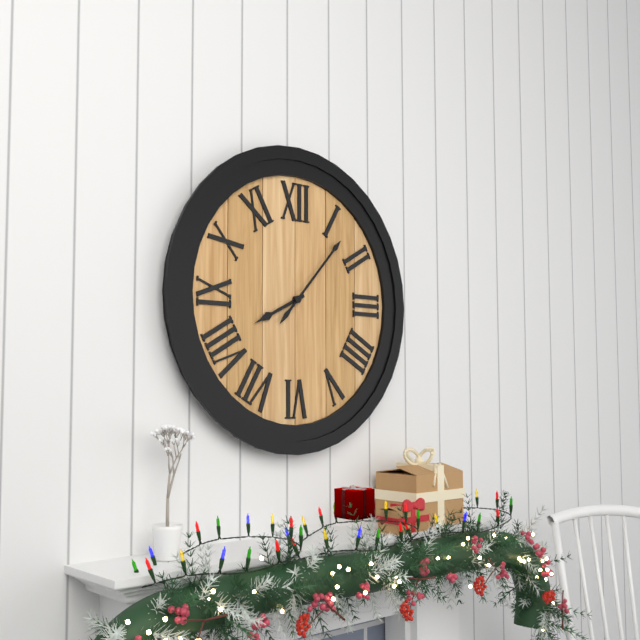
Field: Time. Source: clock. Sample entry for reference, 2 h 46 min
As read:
8 h 07 min
